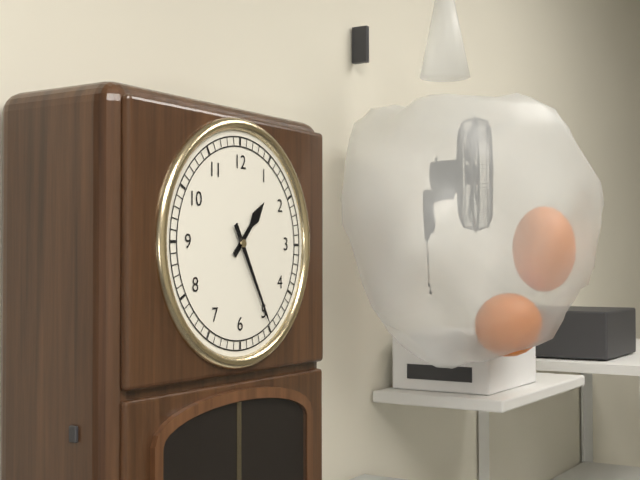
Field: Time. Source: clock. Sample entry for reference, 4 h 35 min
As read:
1 h 25 min
